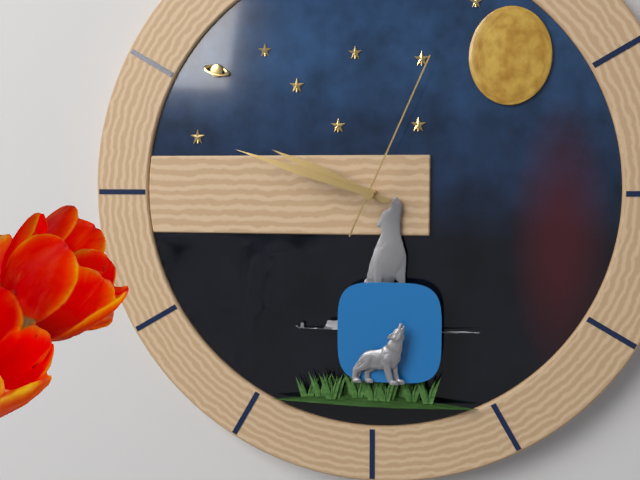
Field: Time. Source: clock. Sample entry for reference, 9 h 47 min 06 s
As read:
9 h 48 min 04 s
